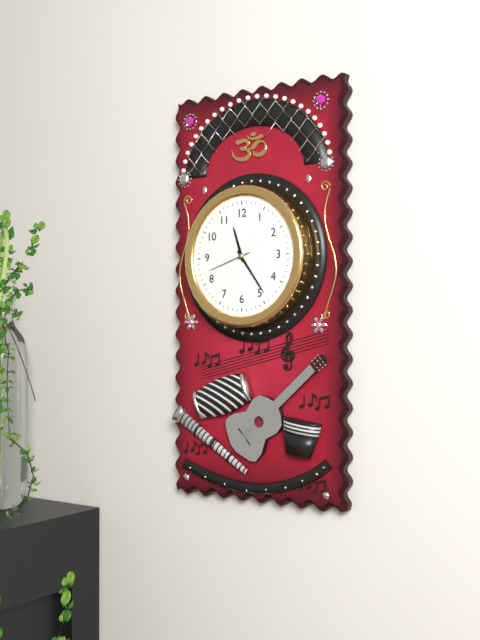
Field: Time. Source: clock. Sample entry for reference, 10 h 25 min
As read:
11 h 24 min
